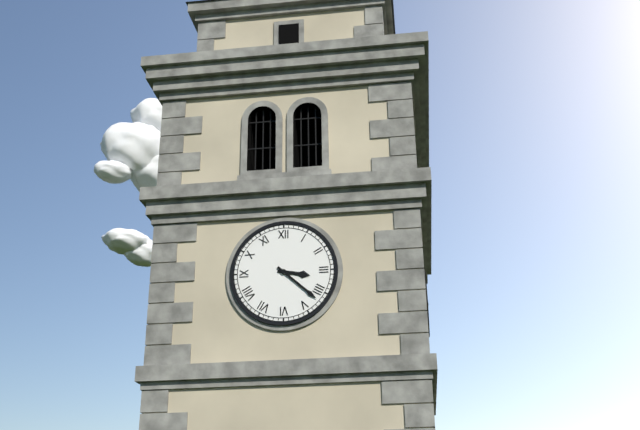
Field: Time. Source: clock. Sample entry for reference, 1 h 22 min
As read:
3 h 22 min
